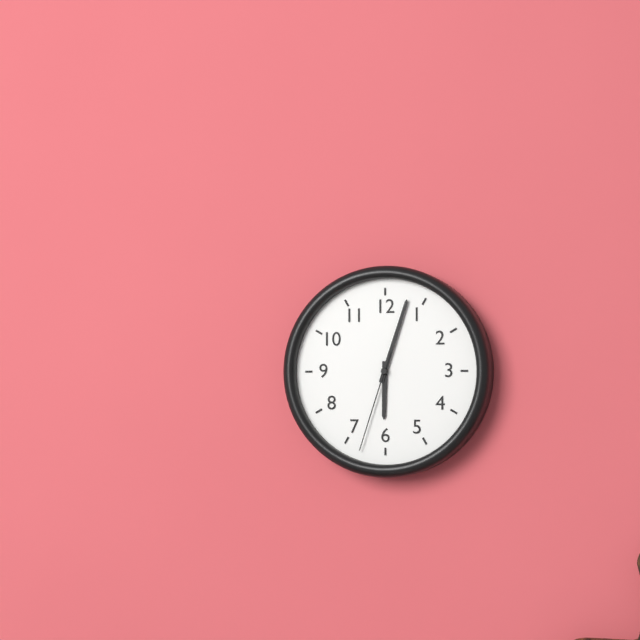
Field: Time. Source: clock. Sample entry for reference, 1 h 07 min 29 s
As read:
6 h 03 min 33 s
